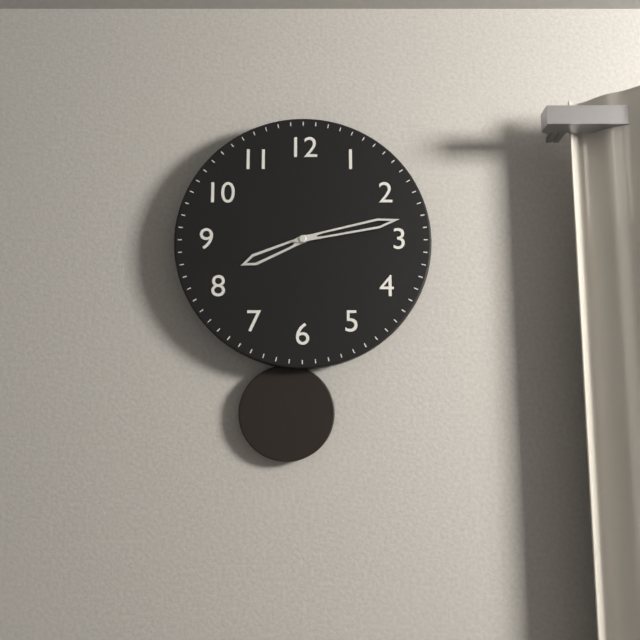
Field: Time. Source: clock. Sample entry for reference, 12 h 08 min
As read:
8 h 13 min
